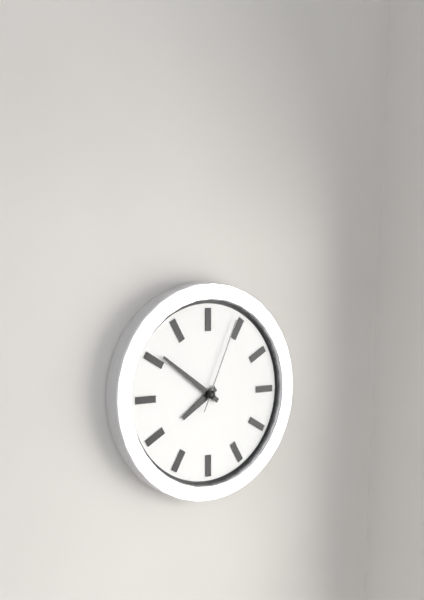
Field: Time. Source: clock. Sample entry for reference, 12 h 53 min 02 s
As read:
7 h 51 min 04 s
